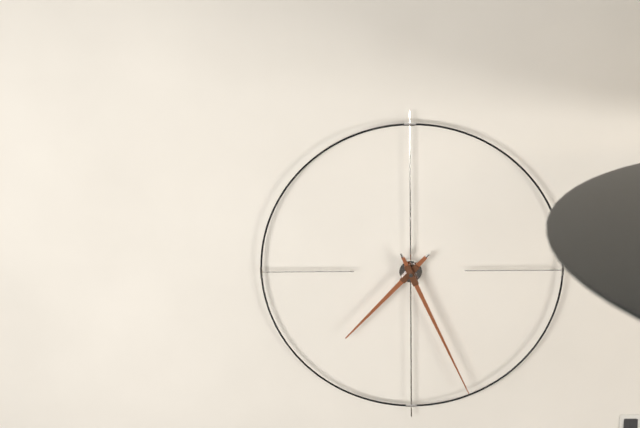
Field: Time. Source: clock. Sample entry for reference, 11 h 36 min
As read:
7 h 26 min
